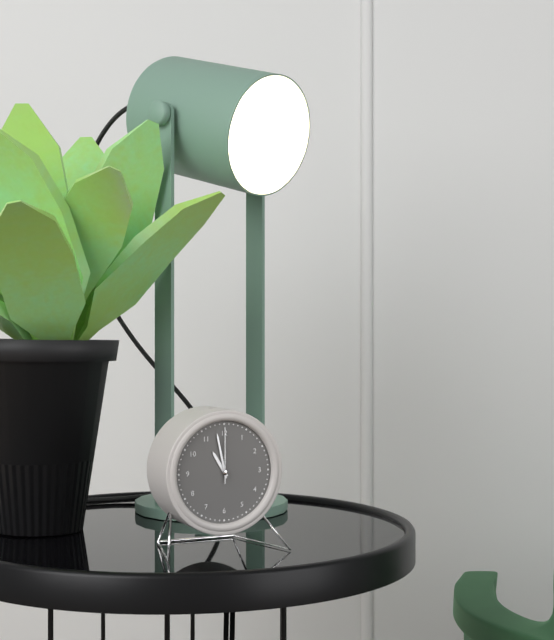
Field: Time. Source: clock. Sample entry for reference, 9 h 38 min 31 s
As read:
10 h 58 min 00 s
